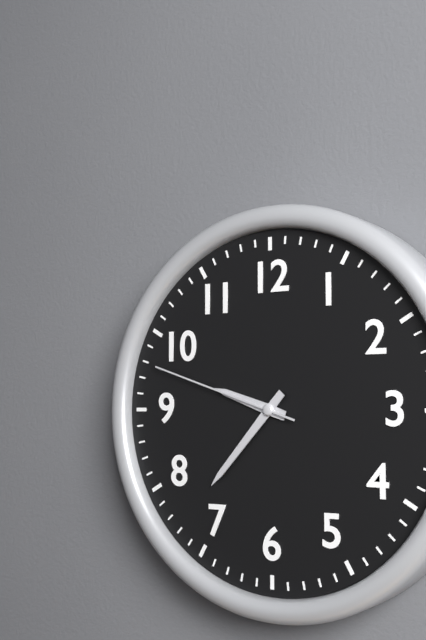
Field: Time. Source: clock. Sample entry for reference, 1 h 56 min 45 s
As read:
9 h 37 min 48 s
